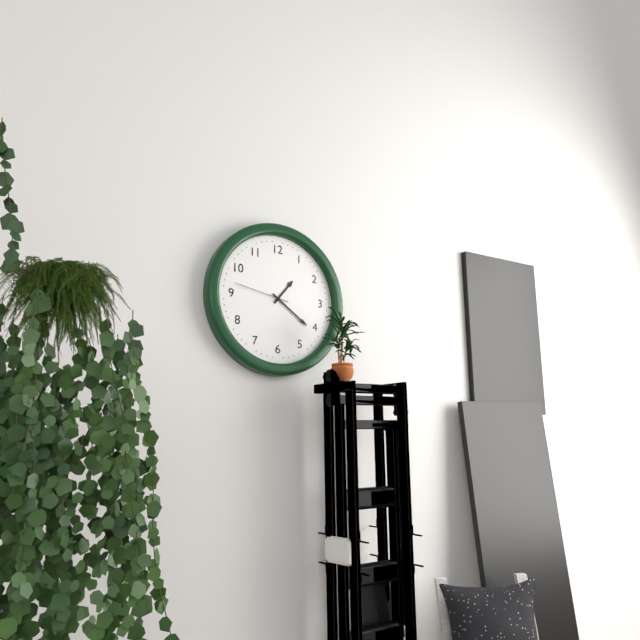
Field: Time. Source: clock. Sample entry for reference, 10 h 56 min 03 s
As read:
1 h 21 min 47 s
